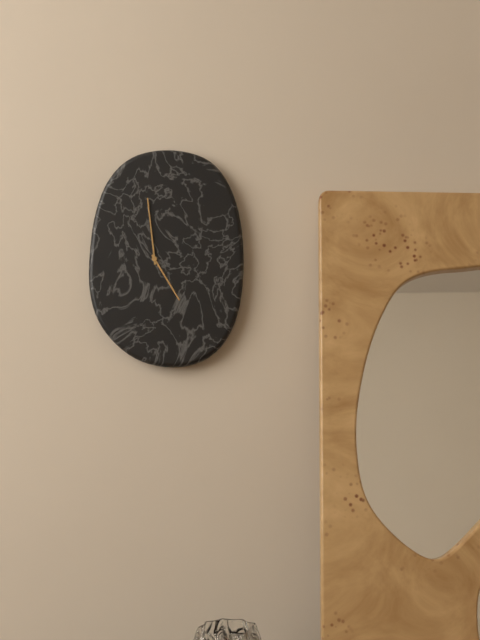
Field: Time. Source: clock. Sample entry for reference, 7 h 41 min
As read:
4 h 59 min
